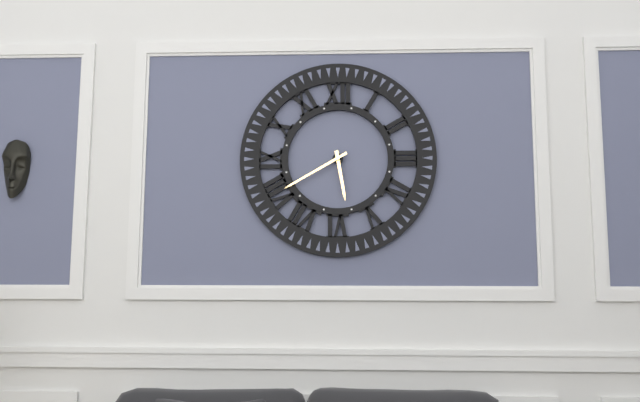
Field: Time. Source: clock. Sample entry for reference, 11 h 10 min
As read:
5 h 40 min
